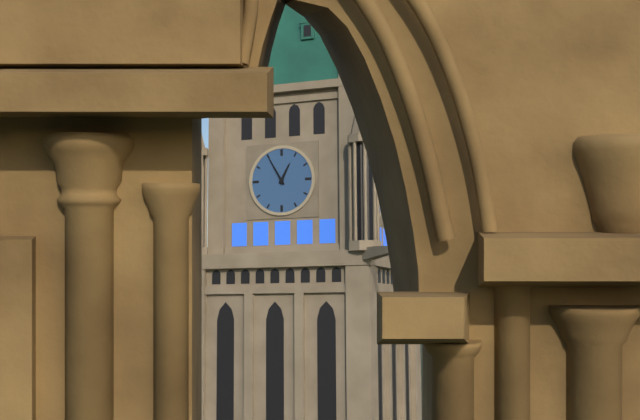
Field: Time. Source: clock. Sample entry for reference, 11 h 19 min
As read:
12 h 55 min
